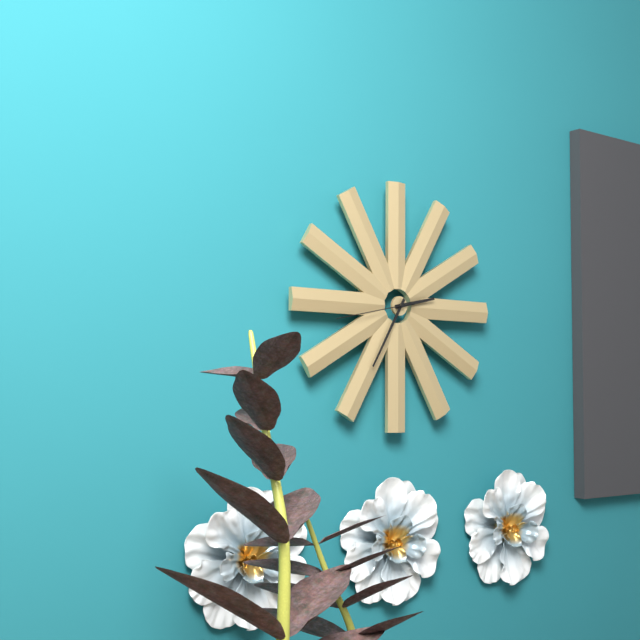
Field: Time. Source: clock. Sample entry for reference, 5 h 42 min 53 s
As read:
2 h 35 min 43 s
